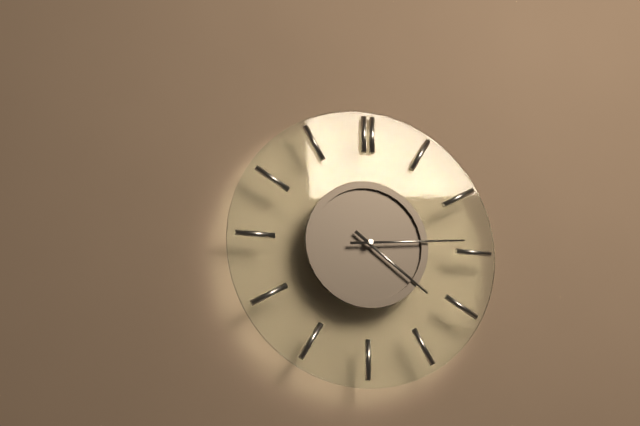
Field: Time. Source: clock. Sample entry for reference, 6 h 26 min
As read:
4 h 14 min
